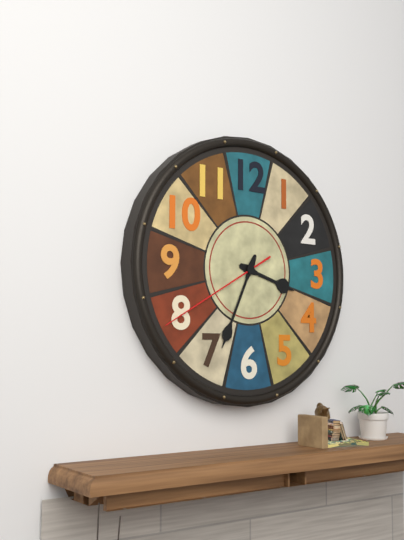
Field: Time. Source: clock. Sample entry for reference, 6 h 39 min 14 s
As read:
3 h 34 min 40 s
